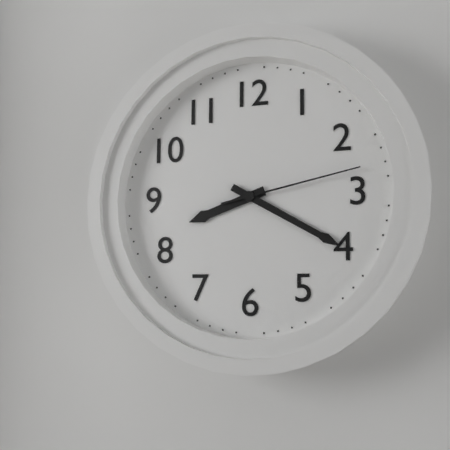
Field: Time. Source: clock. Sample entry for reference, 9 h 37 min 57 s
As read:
8 h 20 min 13 s
